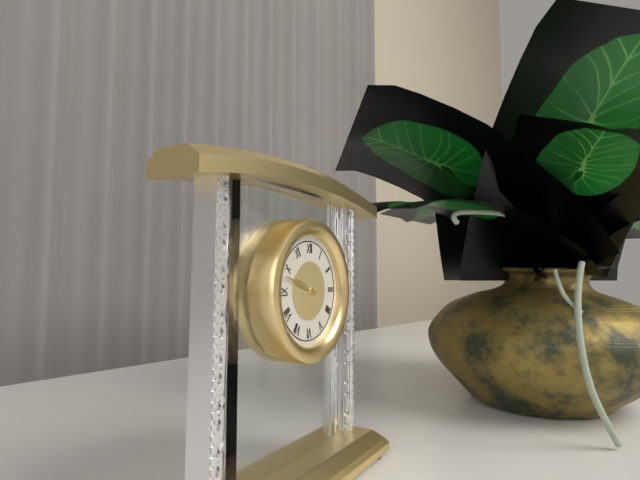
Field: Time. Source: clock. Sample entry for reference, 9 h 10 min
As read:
9 h 48 min
